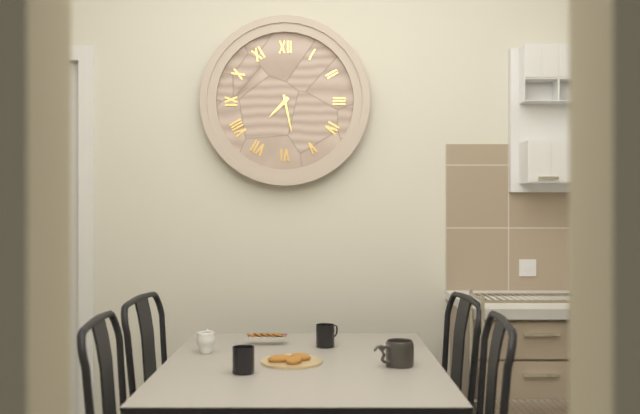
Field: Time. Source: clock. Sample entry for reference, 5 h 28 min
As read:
7 h 28 min
